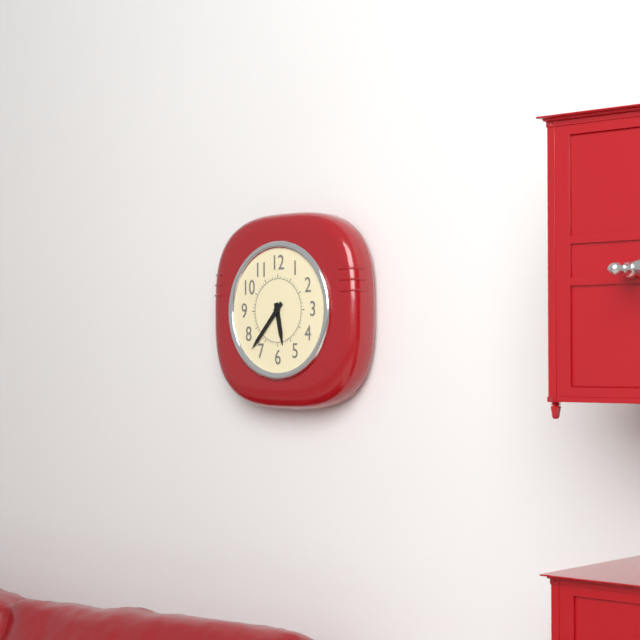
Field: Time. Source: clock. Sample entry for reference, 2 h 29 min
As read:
5 h 37 min
